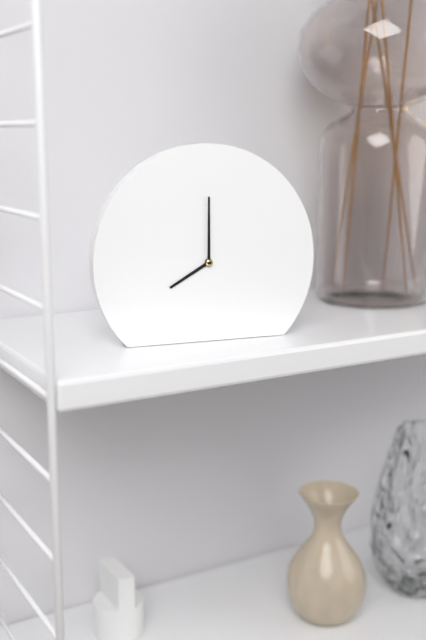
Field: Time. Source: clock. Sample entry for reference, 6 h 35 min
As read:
8 h 00 min
